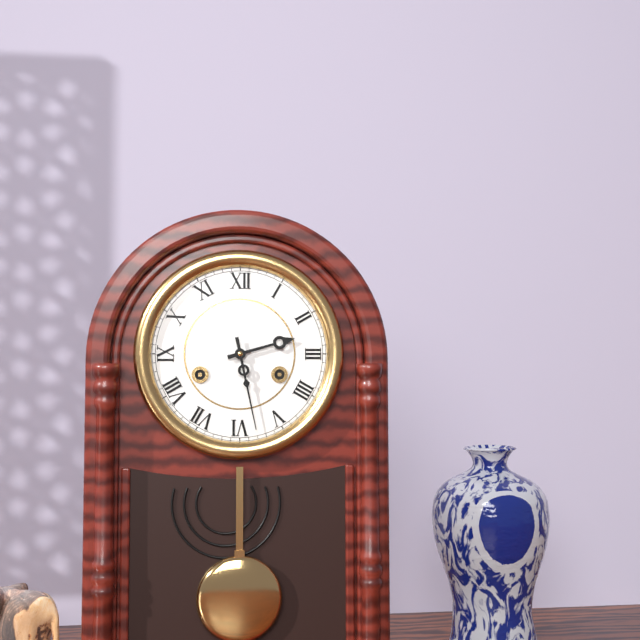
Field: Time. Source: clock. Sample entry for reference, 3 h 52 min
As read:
2 h 28 min
